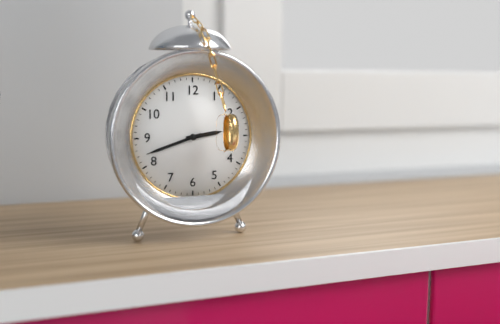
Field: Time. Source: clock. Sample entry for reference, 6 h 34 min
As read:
2 h 42 min
